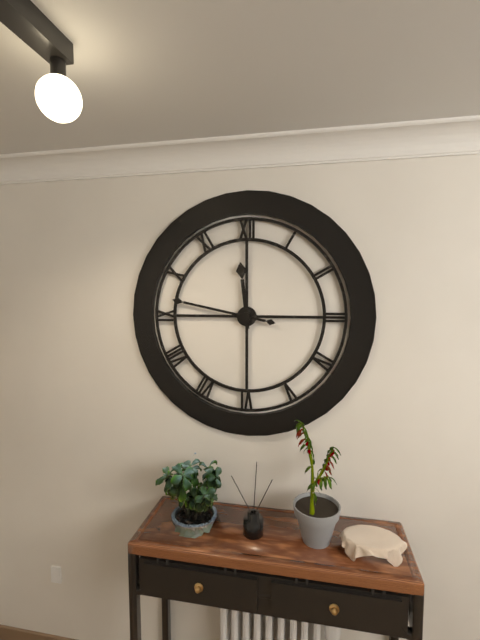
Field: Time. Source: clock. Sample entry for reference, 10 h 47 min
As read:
11 h 47 min
